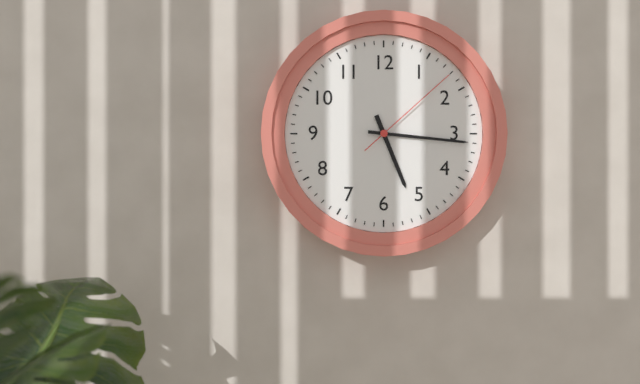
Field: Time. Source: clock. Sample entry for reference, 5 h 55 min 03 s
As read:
5 h 16 min 08 s
